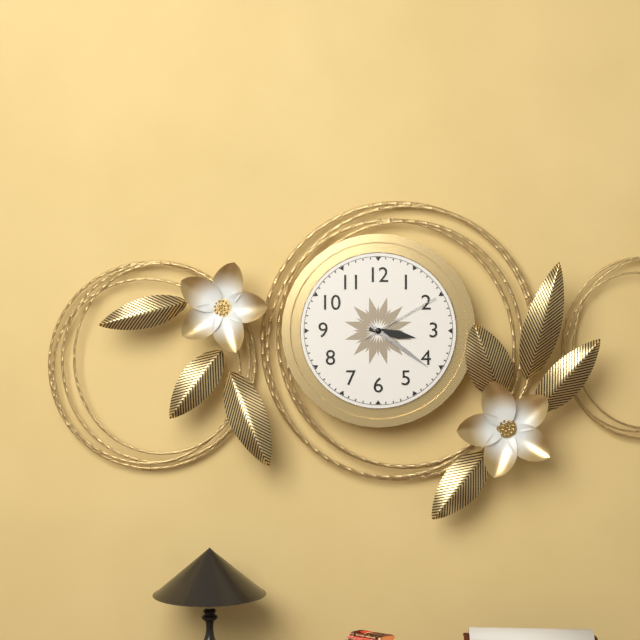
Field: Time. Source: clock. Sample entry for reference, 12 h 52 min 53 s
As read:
3 h 21 min 10 s
